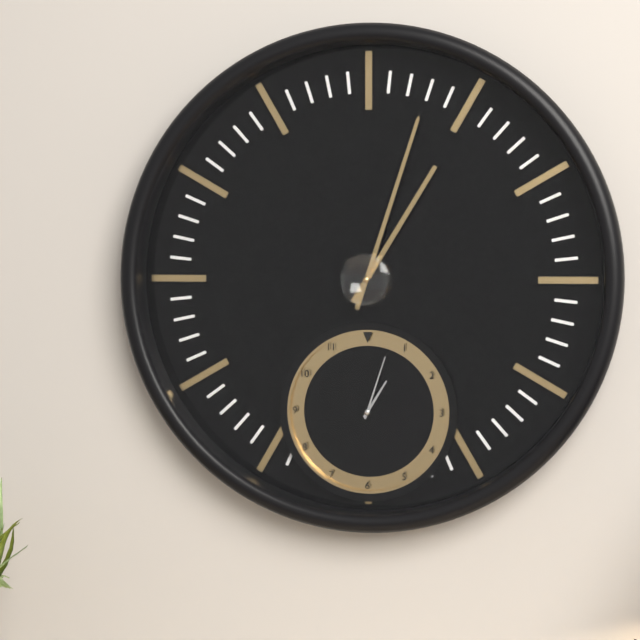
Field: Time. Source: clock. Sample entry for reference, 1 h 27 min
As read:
1 h 03 min
